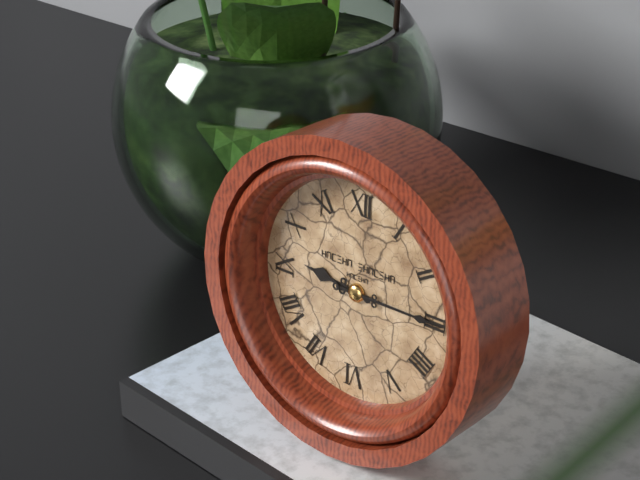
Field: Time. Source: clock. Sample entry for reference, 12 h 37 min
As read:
9 h 15 min
